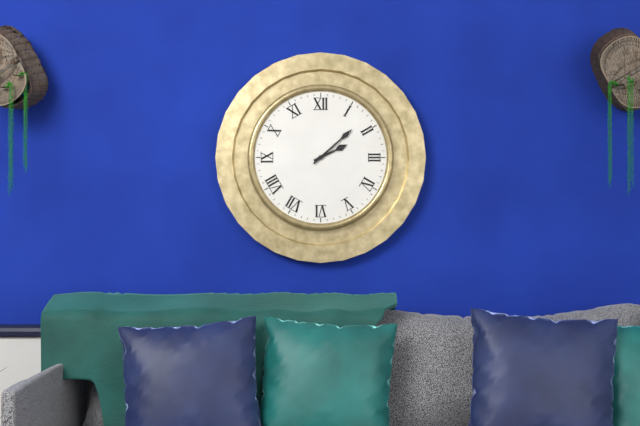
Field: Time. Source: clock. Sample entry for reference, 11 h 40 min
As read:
2 h 08 min
